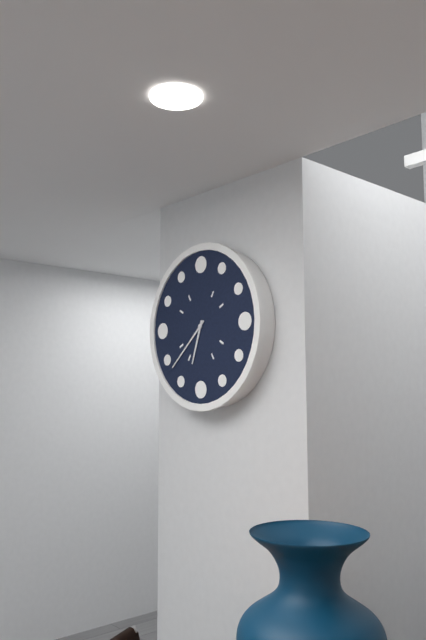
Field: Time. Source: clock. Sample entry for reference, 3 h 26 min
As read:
6 h 38 min
